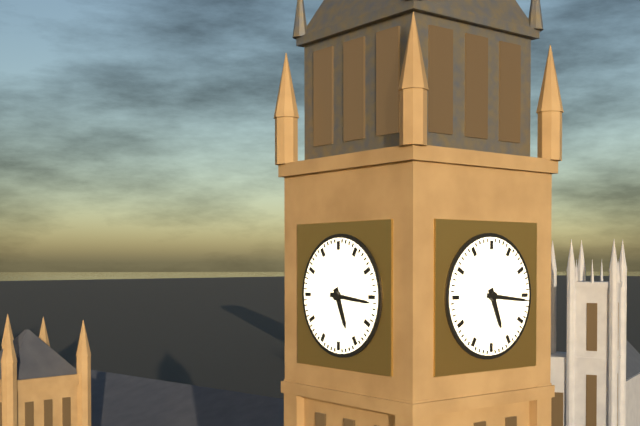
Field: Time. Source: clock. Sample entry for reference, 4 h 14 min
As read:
5 h 16 min
